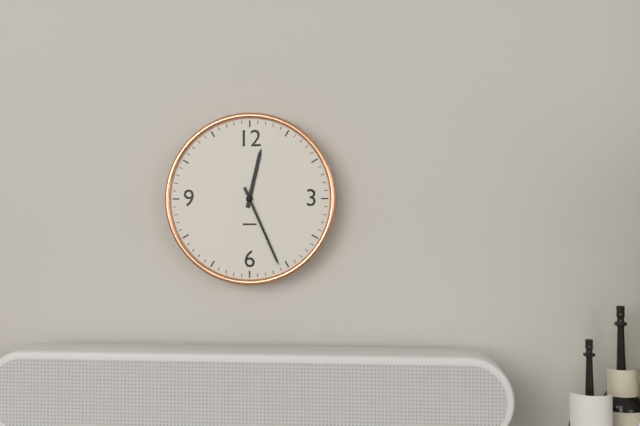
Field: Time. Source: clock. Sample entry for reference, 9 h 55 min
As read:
12 h 26 min
